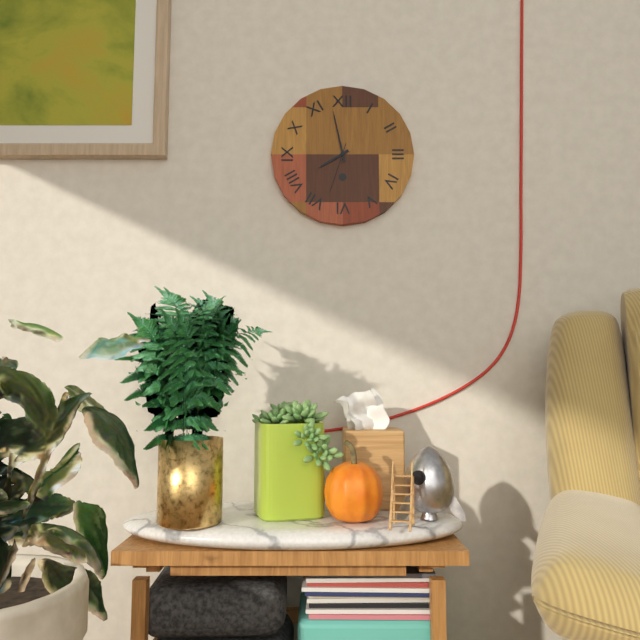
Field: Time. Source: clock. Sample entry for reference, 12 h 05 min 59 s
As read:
7 h 58 min 33 s
